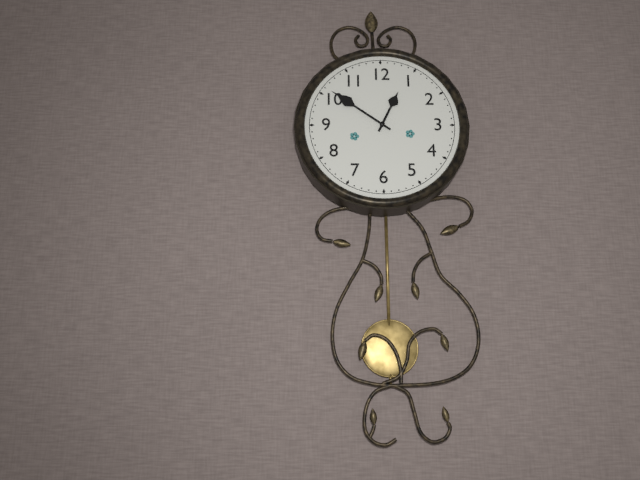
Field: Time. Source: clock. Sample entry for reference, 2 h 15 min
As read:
12 h 51 min
